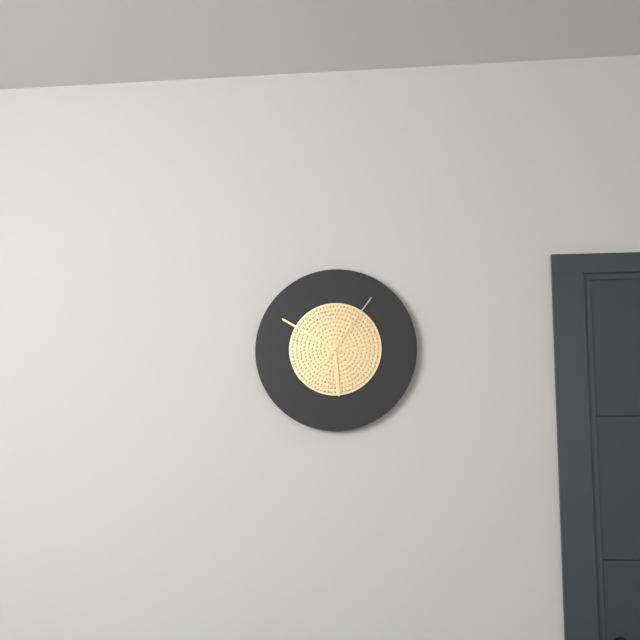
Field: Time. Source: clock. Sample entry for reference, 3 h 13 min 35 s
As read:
5 h 50 min 06 s
